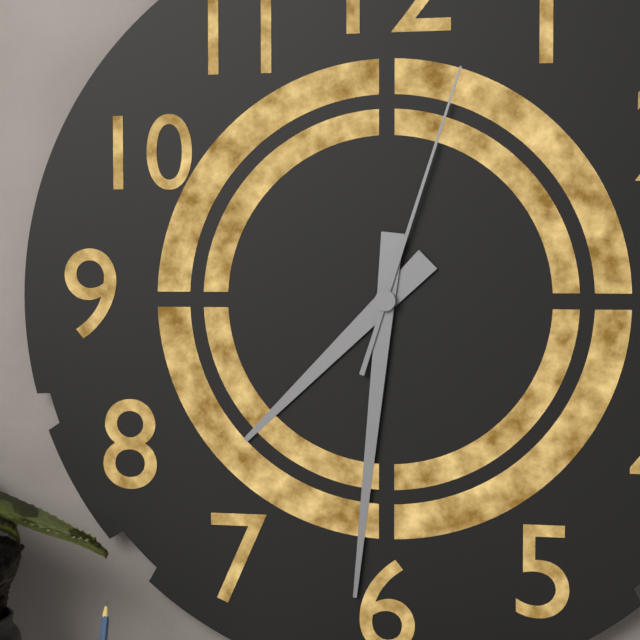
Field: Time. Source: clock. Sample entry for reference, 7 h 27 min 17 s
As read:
7 h 31 min 03 s
